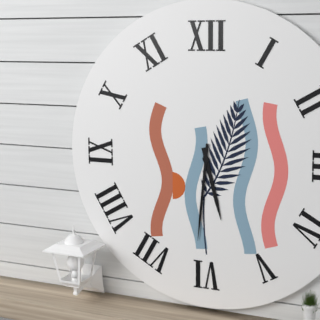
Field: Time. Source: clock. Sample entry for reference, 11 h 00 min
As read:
5 h 31 min
